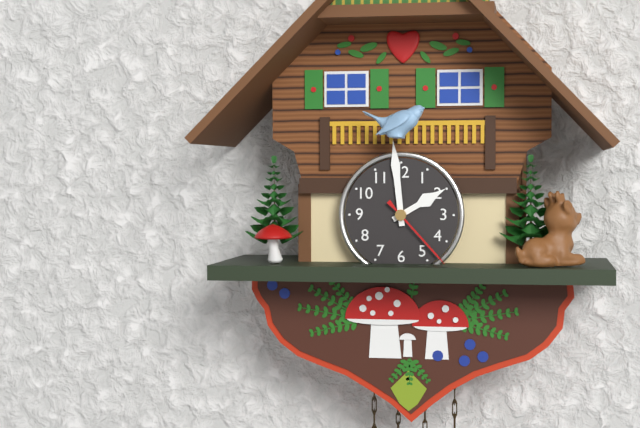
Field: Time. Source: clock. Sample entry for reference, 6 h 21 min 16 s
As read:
1 h 59 min 23 s
